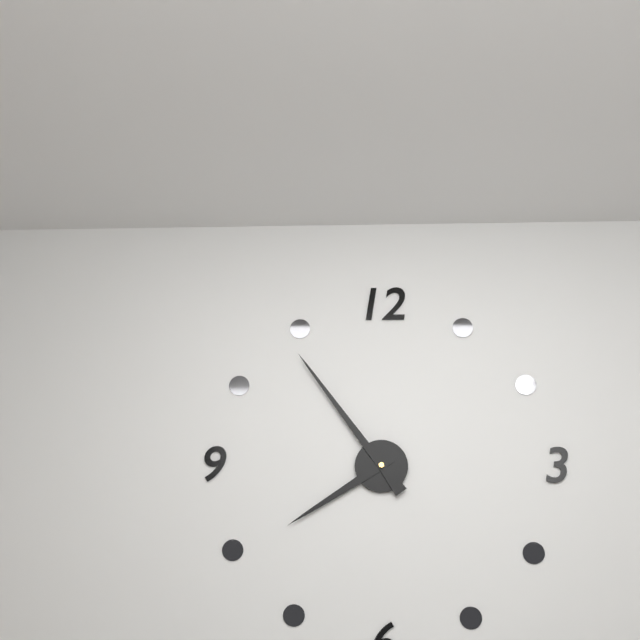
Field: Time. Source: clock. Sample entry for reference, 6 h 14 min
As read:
7 h 54 min
